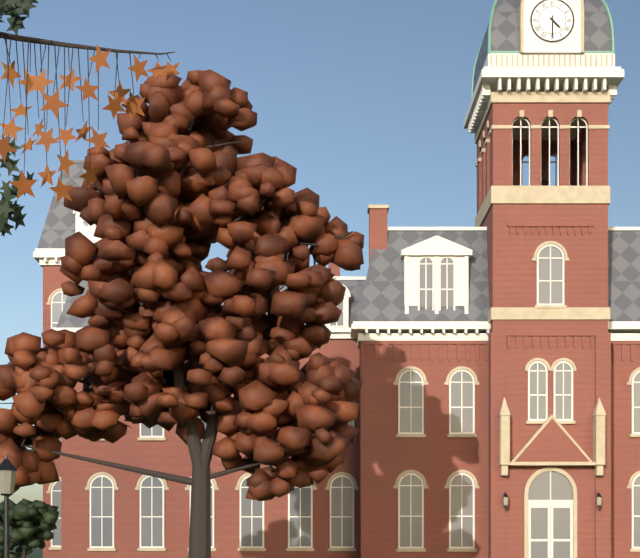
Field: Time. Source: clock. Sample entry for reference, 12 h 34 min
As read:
4 h 30 min
